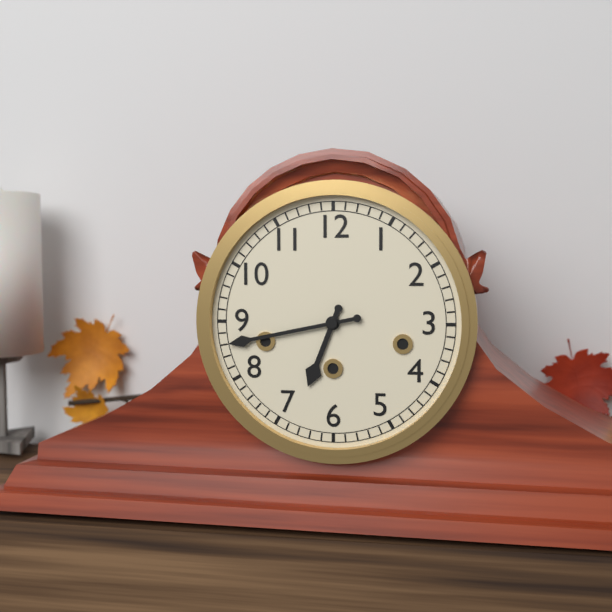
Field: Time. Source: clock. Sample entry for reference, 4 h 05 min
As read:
6 h 43 min
